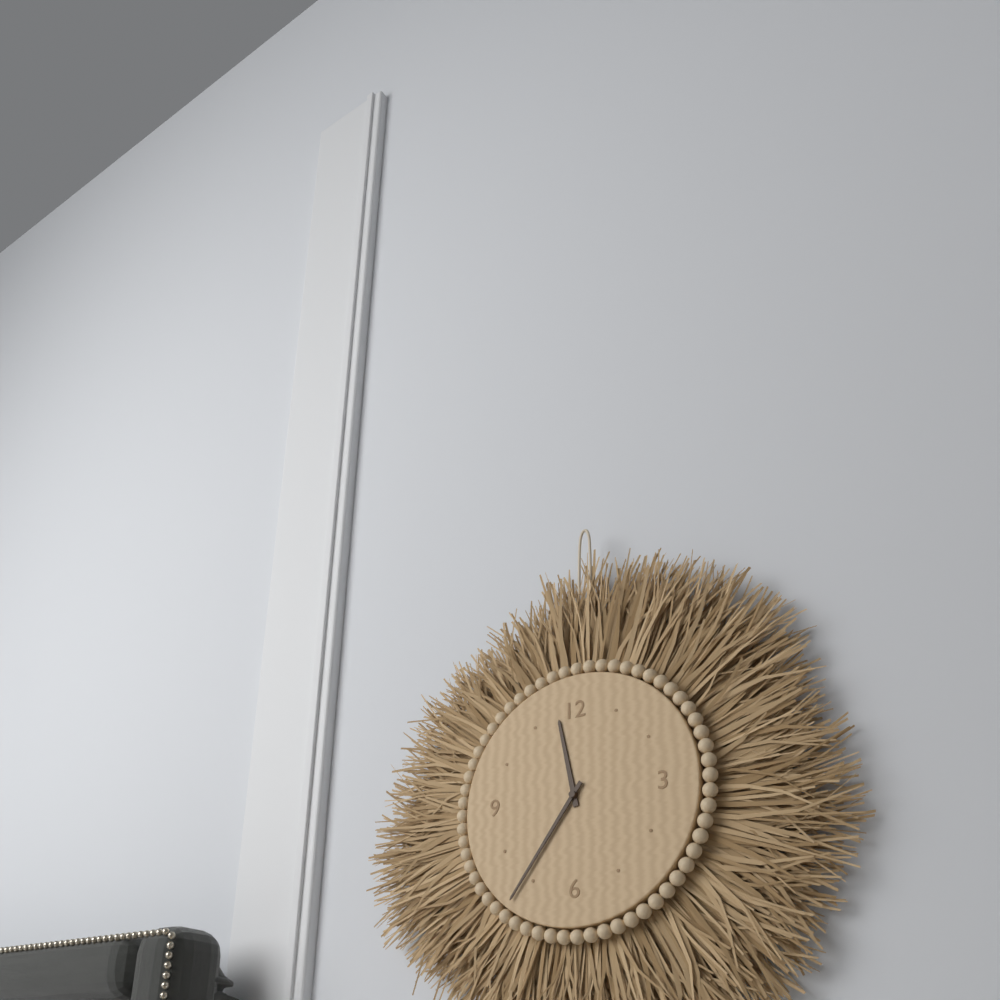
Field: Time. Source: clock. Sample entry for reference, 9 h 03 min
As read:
11 h 36 min
